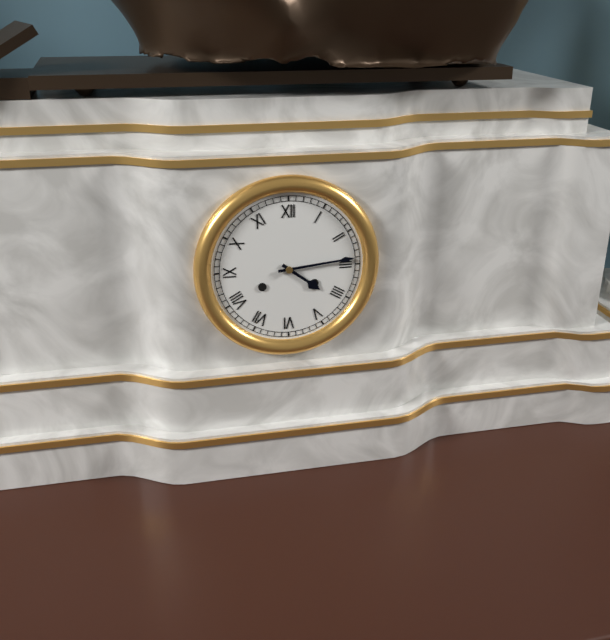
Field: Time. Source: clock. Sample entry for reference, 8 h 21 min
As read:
4 h 14 min
